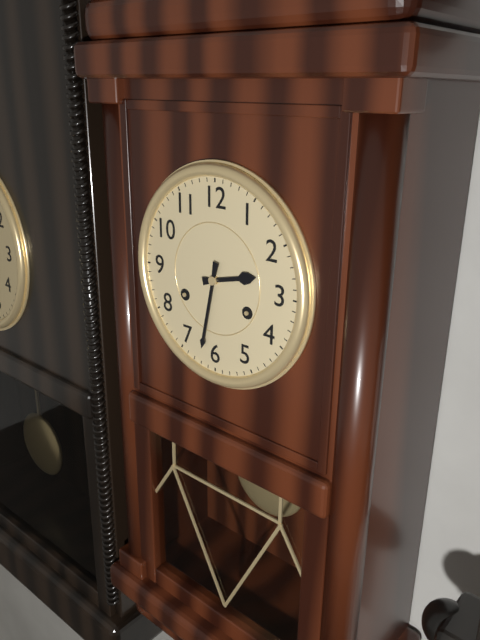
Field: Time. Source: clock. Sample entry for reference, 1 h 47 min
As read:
2 h 32 min
